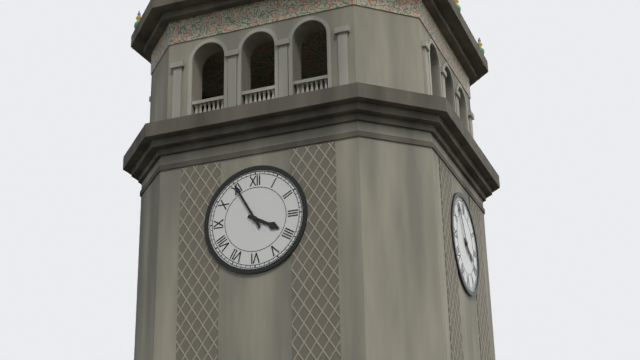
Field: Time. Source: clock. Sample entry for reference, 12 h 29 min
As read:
3 h 55 min
